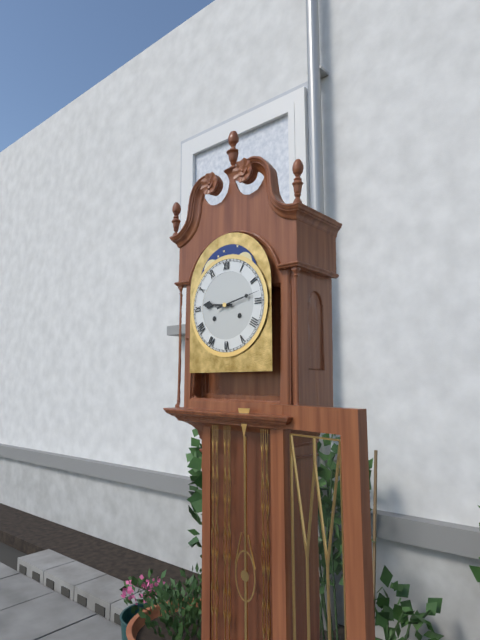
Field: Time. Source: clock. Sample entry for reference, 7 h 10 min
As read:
9 h 13 min
